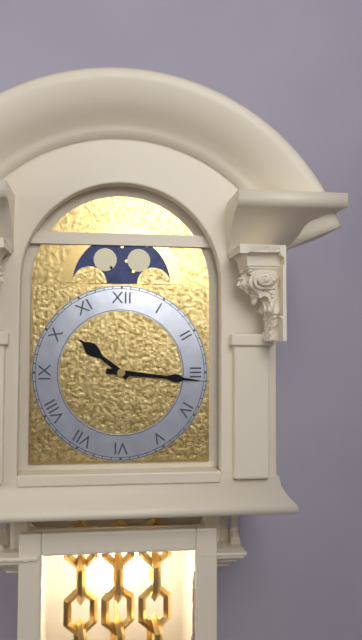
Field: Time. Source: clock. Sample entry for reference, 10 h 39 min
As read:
10 h 16 min
